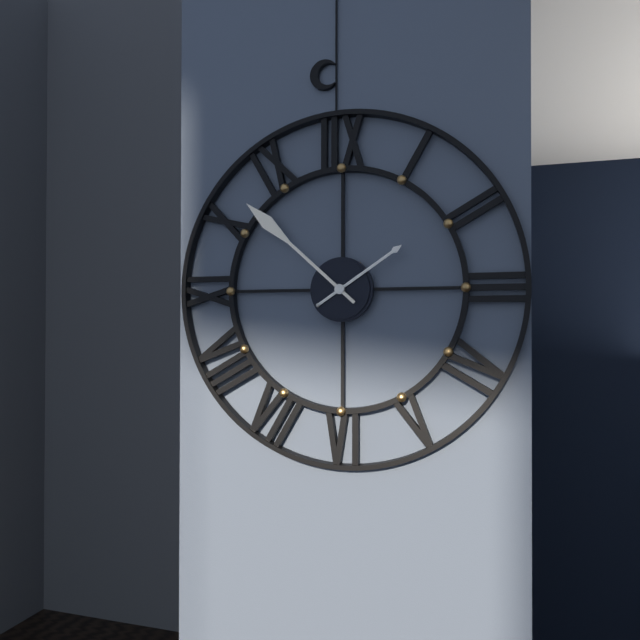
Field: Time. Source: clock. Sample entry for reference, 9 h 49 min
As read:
1 h 52 min
